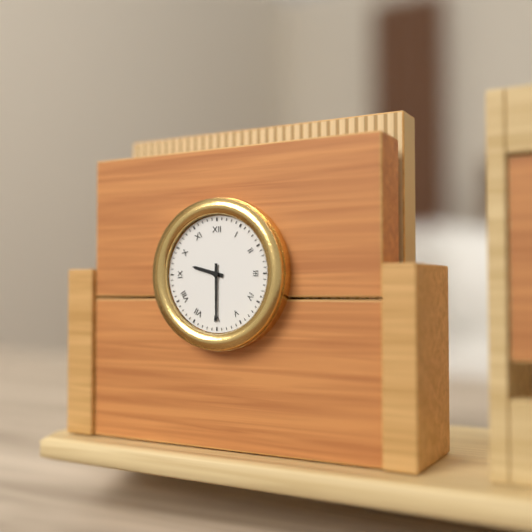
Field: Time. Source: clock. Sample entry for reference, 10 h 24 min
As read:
9 h 30 min
